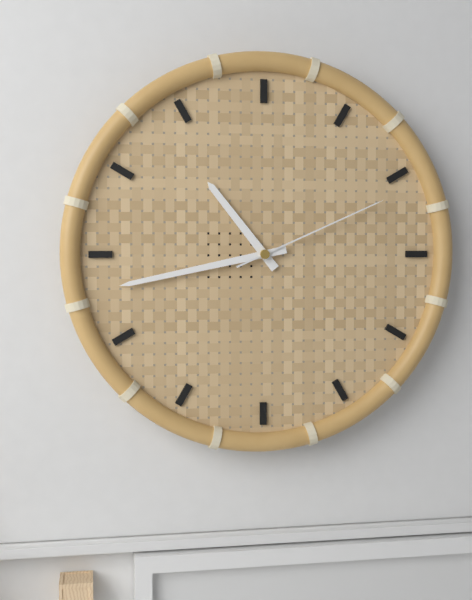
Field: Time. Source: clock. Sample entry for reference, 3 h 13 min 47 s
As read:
10 h 43 min 11 s
